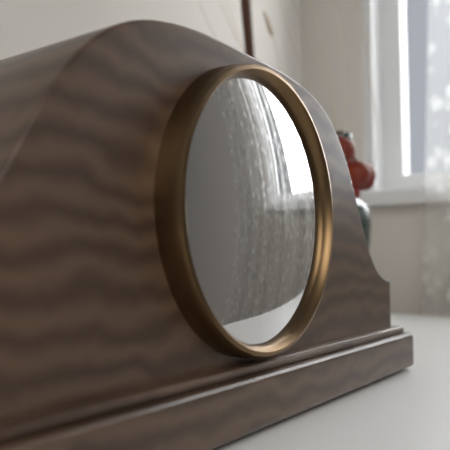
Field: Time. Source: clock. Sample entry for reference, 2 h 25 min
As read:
7 h 19 min
